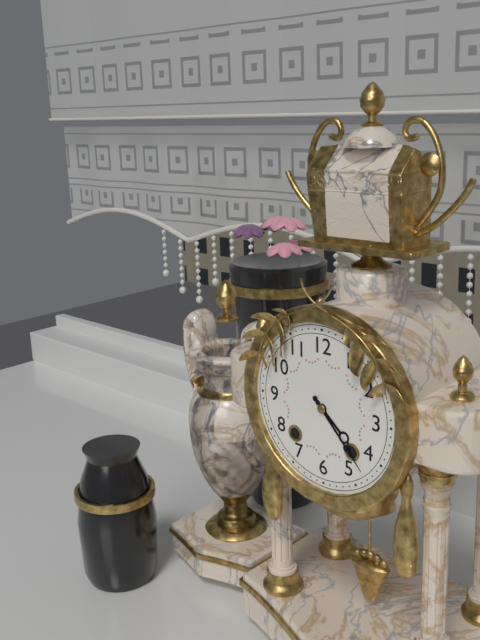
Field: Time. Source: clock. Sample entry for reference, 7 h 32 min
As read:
4 h 23 min
